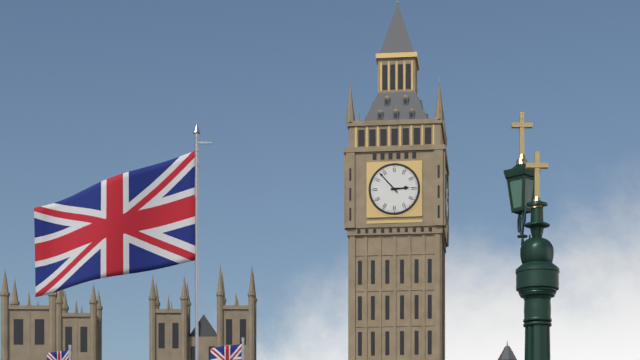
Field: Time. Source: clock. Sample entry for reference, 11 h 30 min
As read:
2 h 53 min
